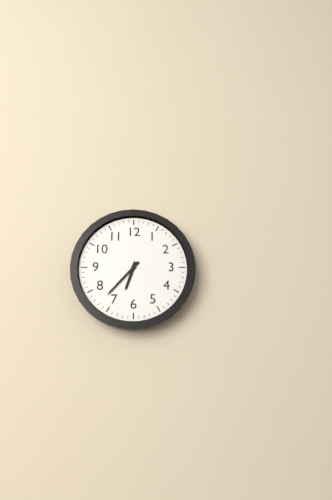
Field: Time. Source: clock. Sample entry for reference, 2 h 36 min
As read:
6 h 37 min
